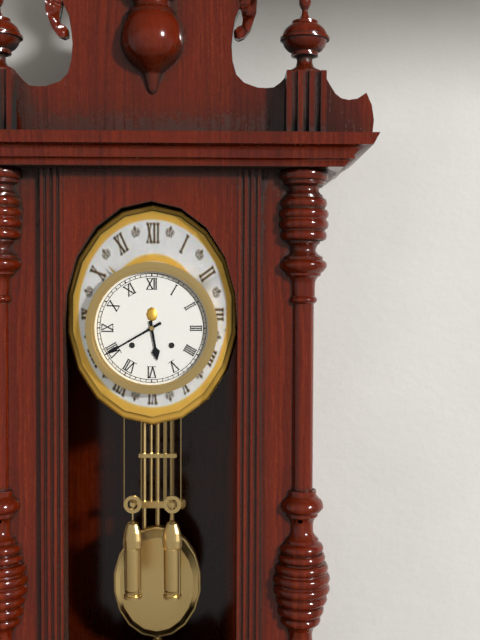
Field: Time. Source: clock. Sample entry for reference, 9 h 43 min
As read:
5 h 40 min
